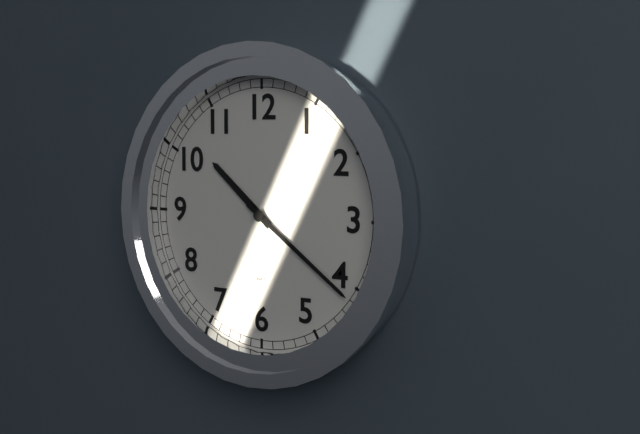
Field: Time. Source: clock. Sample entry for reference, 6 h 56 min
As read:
10 h 21 min
